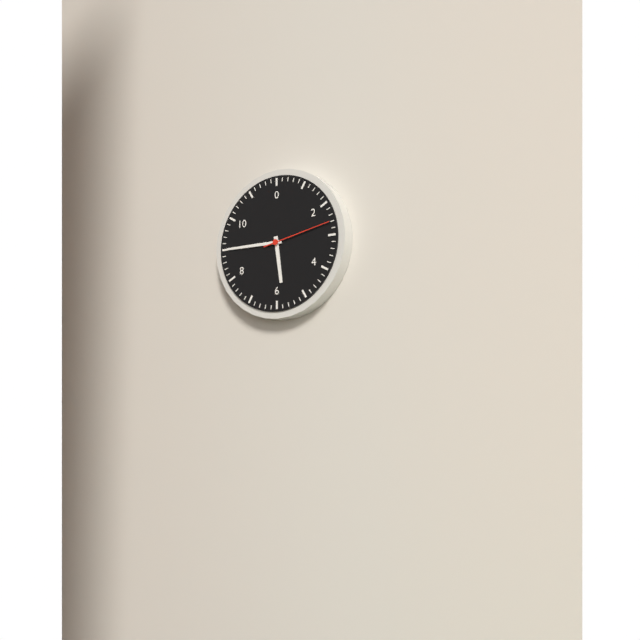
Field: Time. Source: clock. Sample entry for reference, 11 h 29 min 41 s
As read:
5 h 45 min 13 s
